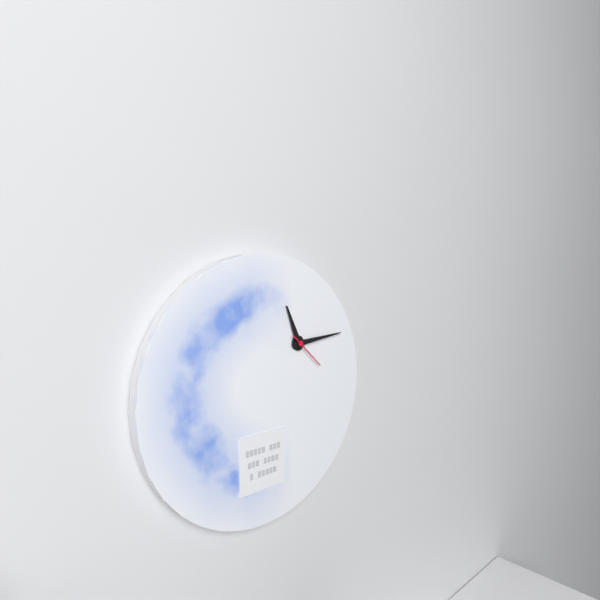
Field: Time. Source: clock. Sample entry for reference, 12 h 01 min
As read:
11 h 14 min
